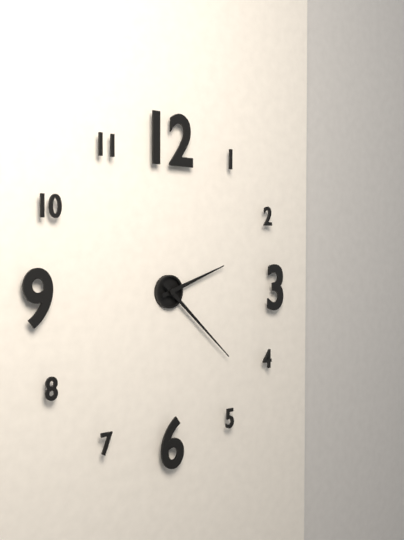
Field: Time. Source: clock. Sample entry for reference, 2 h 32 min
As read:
2 h 22 min
